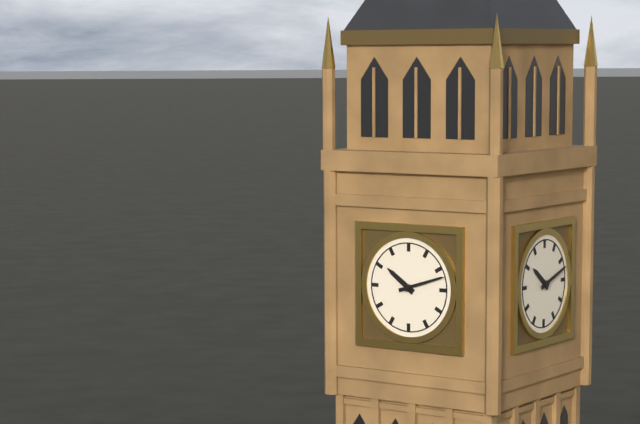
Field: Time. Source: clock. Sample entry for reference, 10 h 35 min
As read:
10 h 12 min
